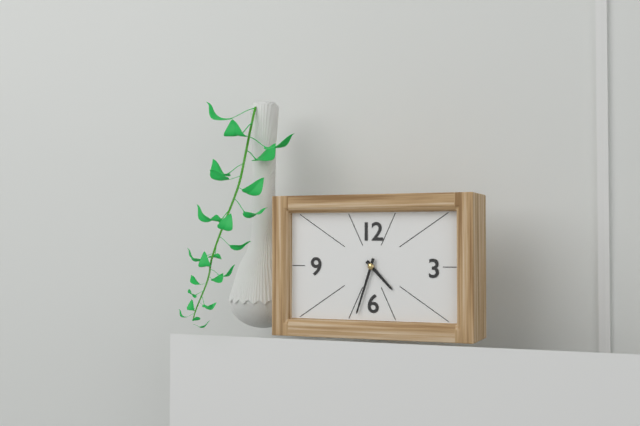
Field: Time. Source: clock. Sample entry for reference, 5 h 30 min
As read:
4 h 33 min
